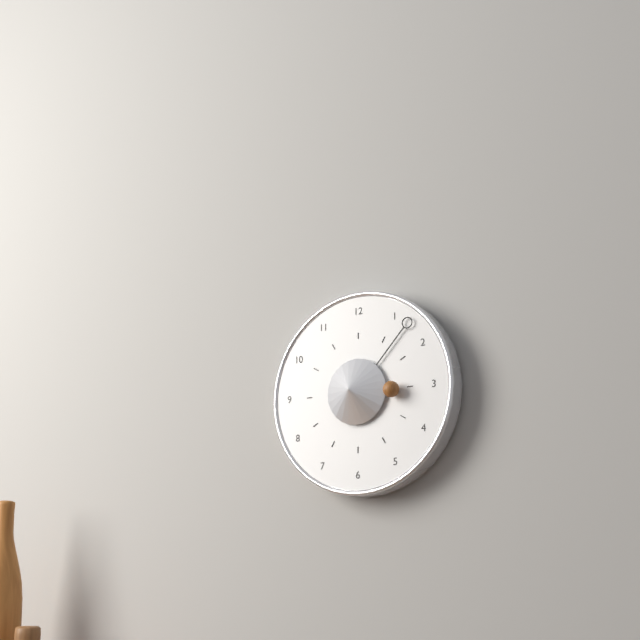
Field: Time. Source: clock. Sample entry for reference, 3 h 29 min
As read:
3 h 07 min
